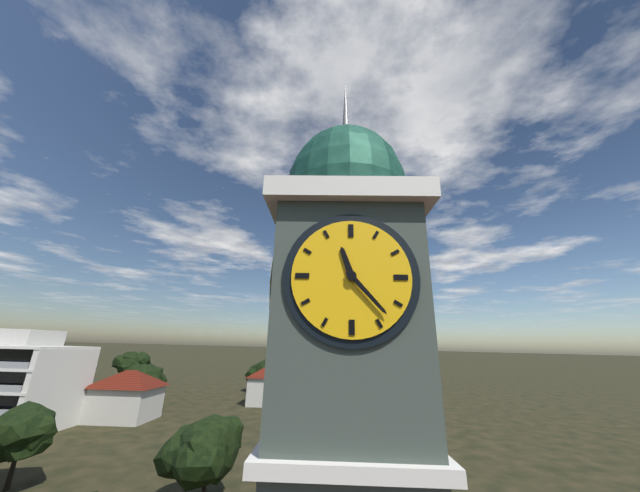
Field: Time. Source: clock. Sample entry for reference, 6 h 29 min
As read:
11 h 23 min
